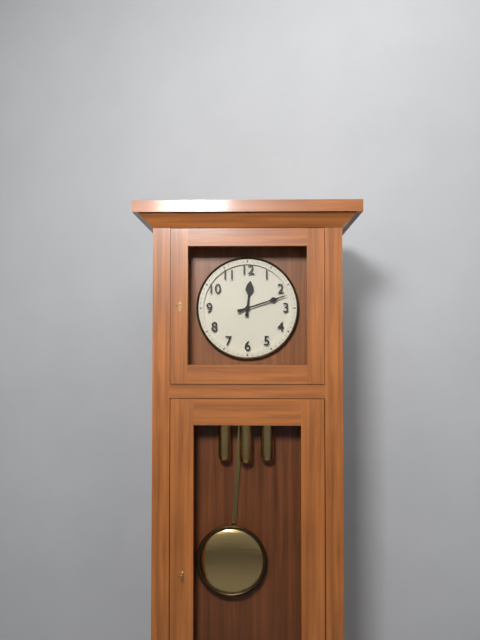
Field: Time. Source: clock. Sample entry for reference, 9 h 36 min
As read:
12 h 12 min
